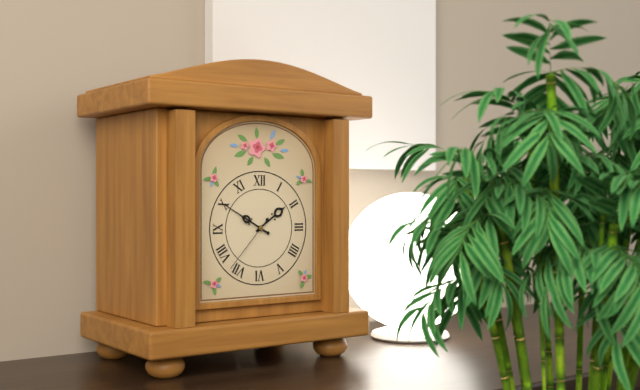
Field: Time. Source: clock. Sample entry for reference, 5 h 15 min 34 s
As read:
1 h 50 min 37 s
